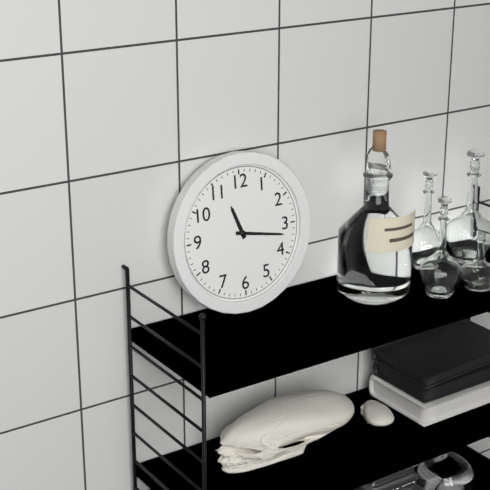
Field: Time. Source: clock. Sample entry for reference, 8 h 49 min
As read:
11 h 17 min
